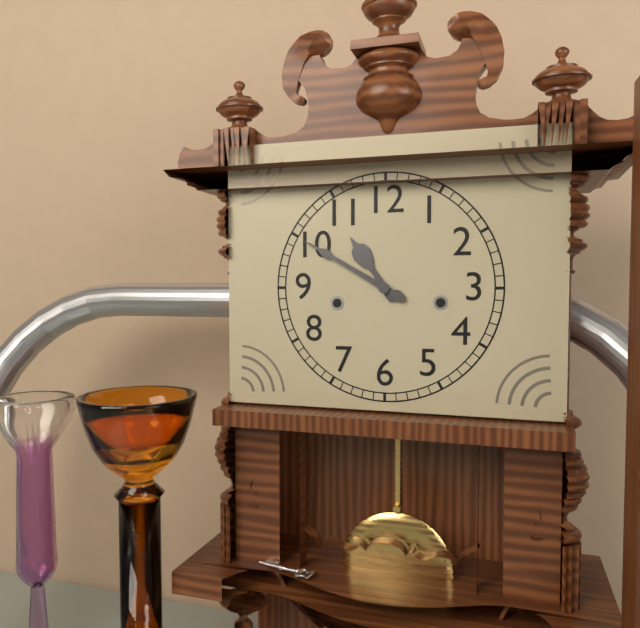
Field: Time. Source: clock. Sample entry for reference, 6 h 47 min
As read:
10 h 50 min
